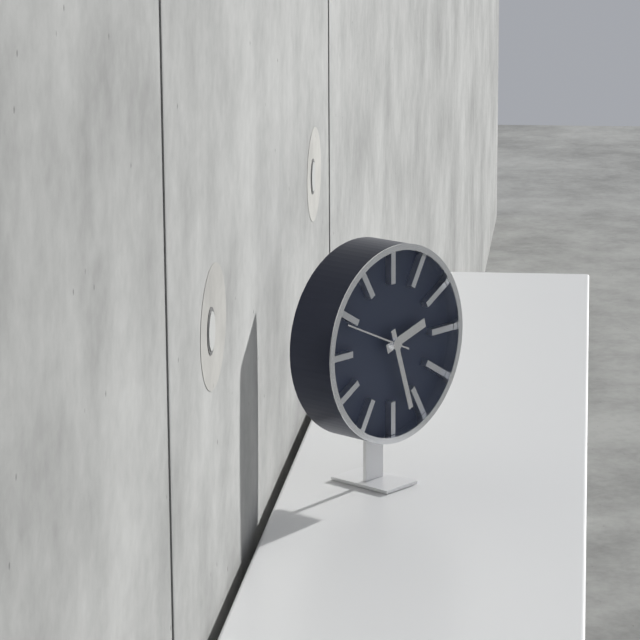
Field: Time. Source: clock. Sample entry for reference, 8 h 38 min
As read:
2 h 27 min
